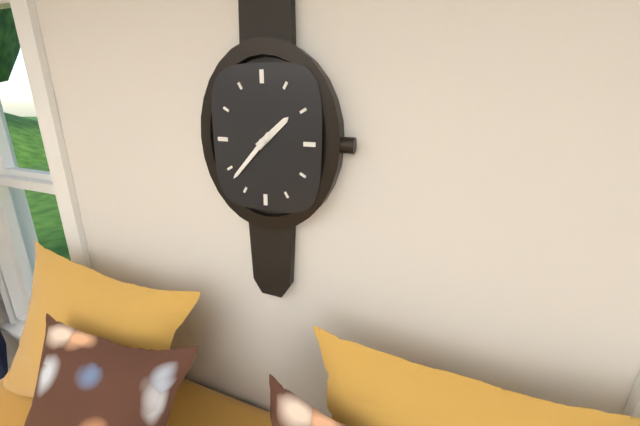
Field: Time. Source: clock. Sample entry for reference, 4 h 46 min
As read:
1 h 37 min
